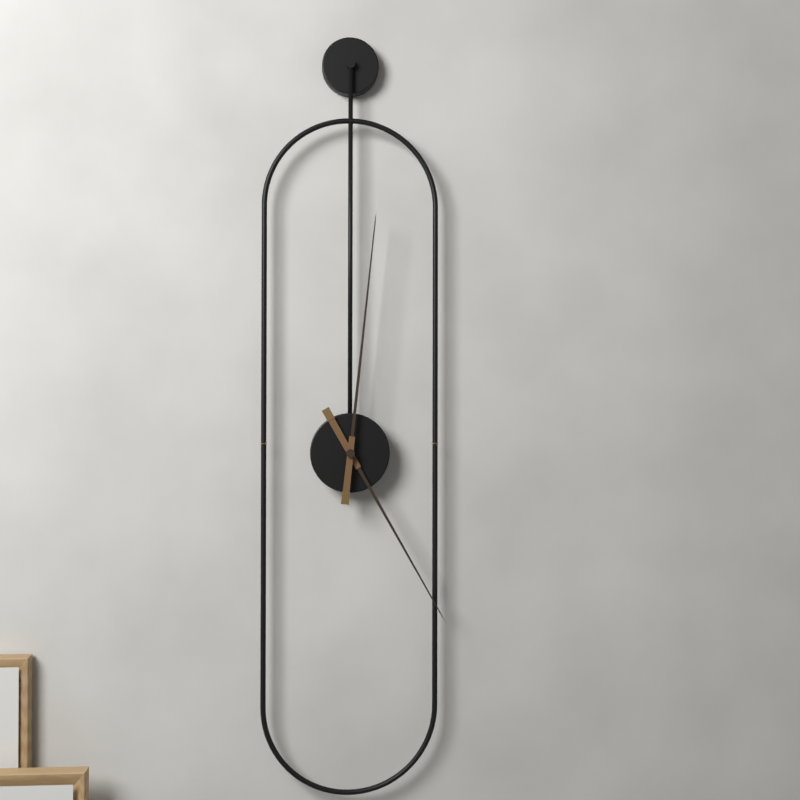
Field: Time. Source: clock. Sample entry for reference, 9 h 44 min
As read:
5 h 01 min
